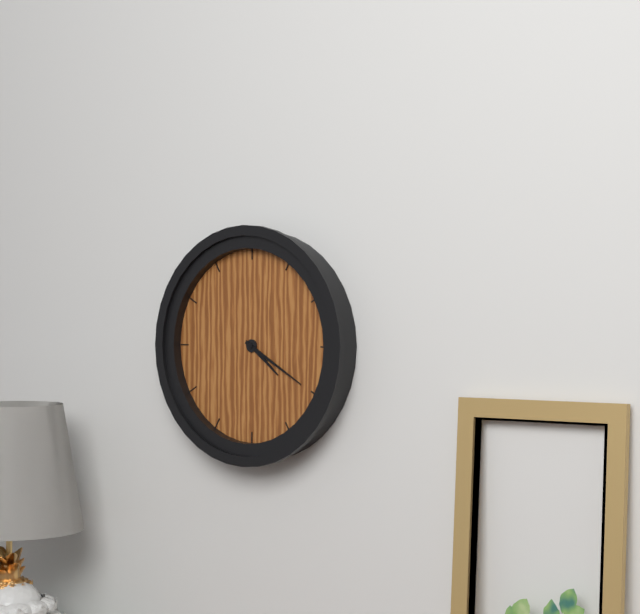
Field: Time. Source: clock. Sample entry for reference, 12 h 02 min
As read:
4 h 20 min
